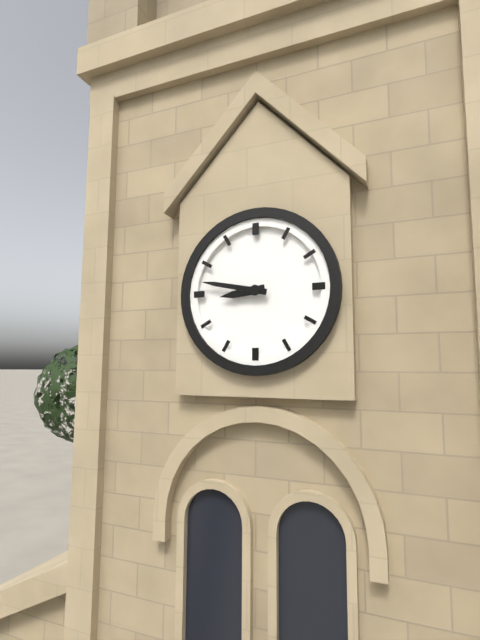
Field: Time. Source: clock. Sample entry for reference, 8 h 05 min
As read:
8 h 47 min
